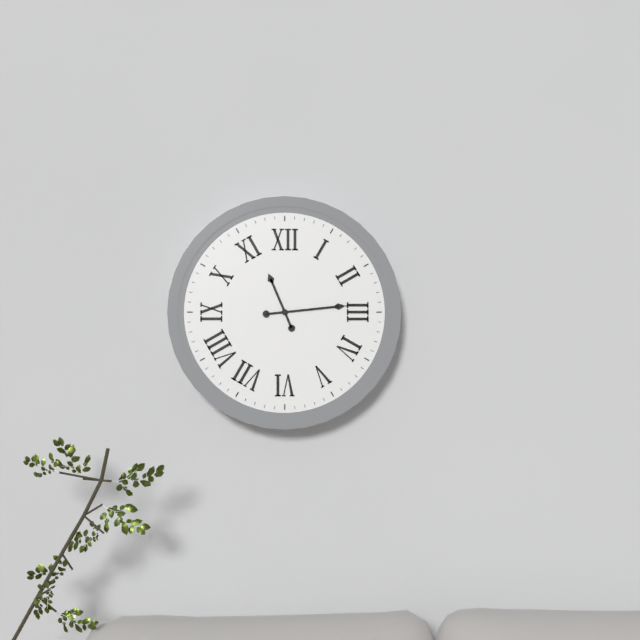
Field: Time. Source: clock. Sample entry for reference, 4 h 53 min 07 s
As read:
11 h 14 min 14 s
